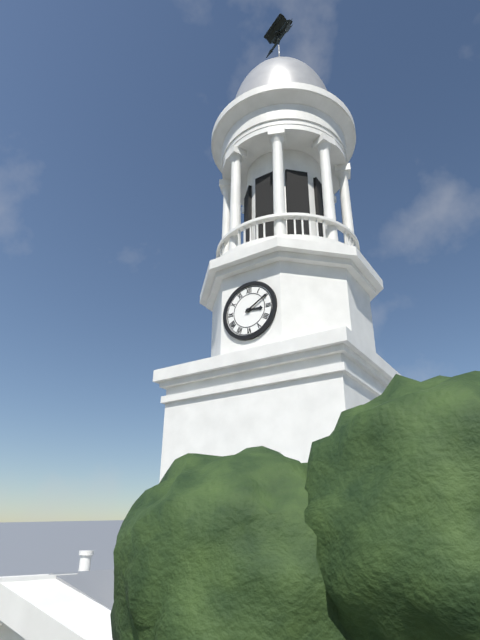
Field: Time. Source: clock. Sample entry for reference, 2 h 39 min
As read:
3 h 10 min
